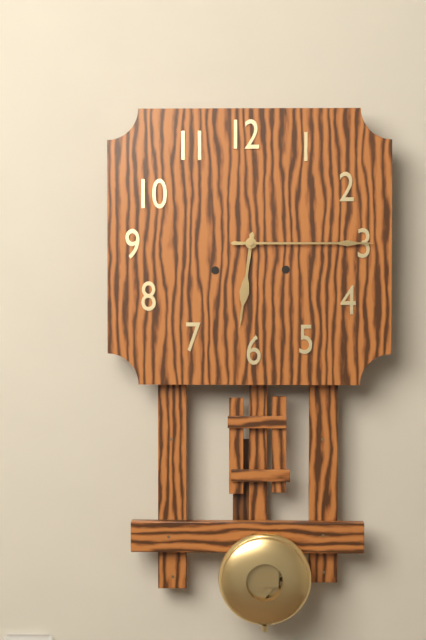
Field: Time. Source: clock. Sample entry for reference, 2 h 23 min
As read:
6 h 15 min
